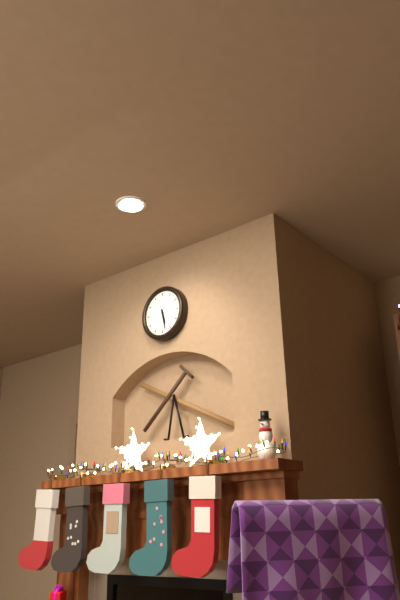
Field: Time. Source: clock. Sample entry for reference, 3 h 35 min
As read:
5 h 28 min
